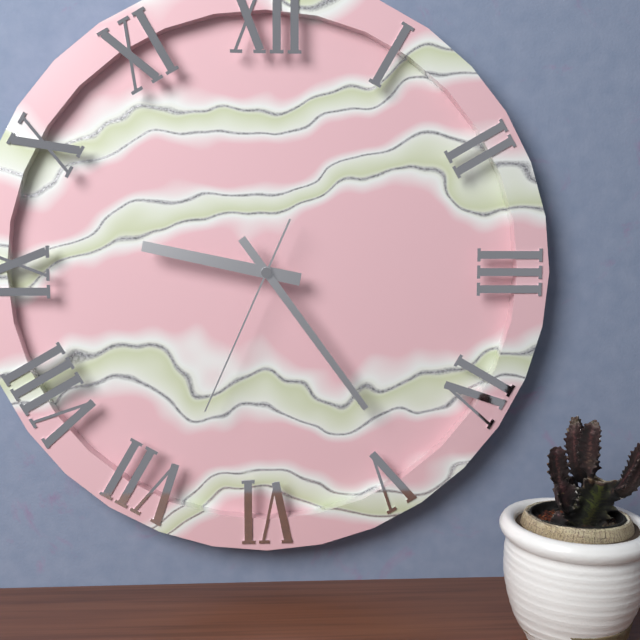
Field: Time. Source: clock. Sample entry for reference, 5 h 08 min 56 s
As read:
9 h 24 min 34 s
